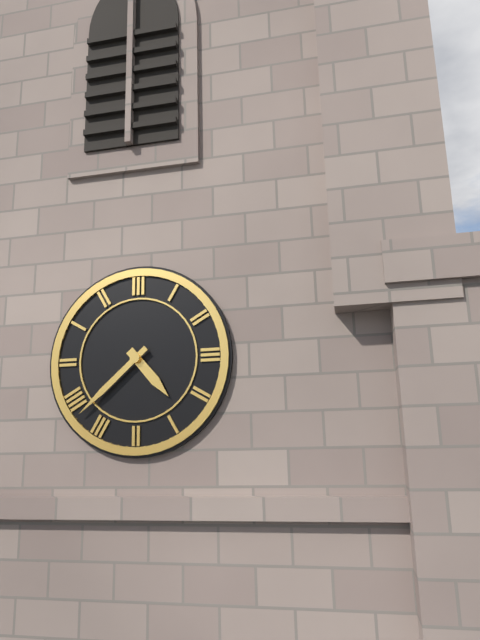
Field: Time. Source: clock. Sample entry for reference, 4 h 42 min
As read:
4 h 38 min
